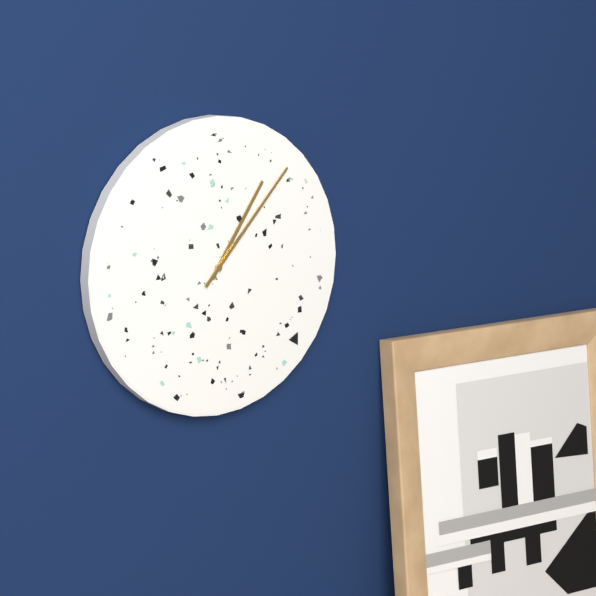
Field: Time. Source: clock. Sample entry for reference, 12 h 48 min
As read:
1 h 07 min
